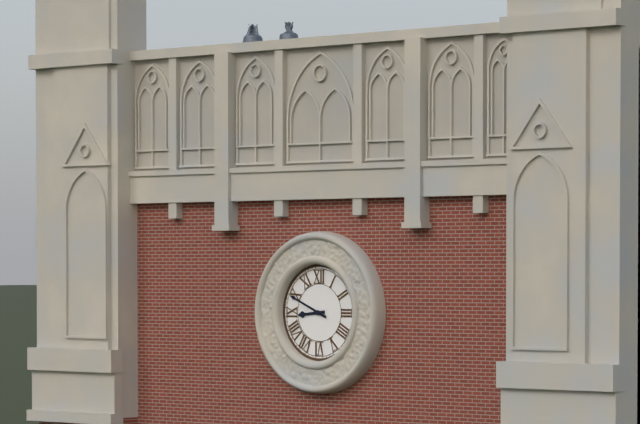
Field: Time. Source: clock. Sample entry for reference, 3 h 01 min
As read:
8 h 49 min
